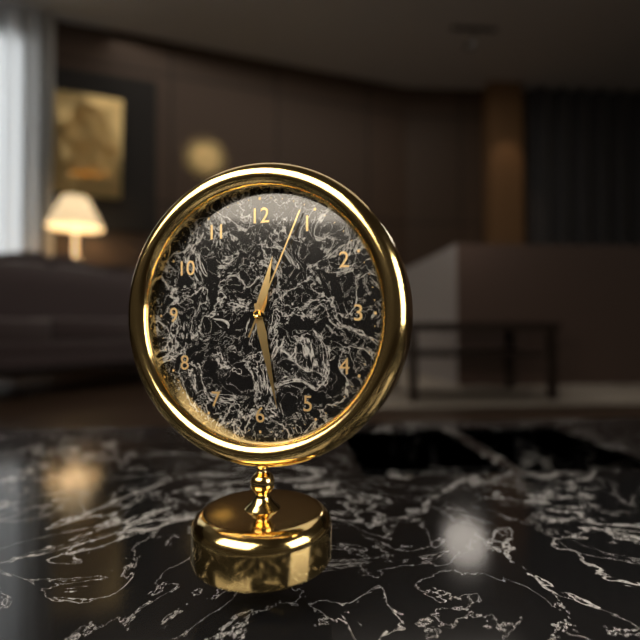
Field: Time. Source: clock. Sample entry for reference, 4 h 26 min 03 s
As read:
12 h 28 min 04 s
